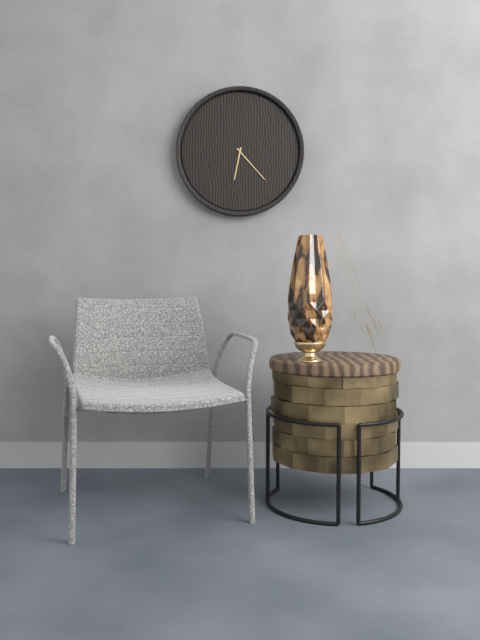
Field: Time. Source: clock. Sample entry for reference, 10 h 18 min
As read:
6 h 23 min
